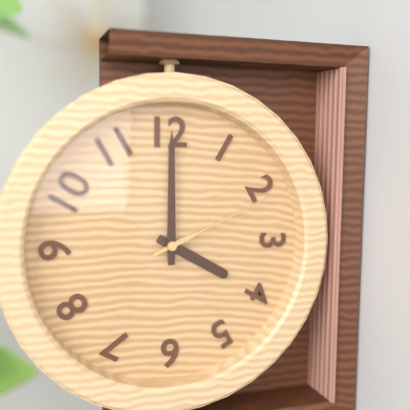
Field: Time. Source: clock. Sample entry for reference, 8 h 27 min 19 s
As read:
4 h 00 min 11 s
